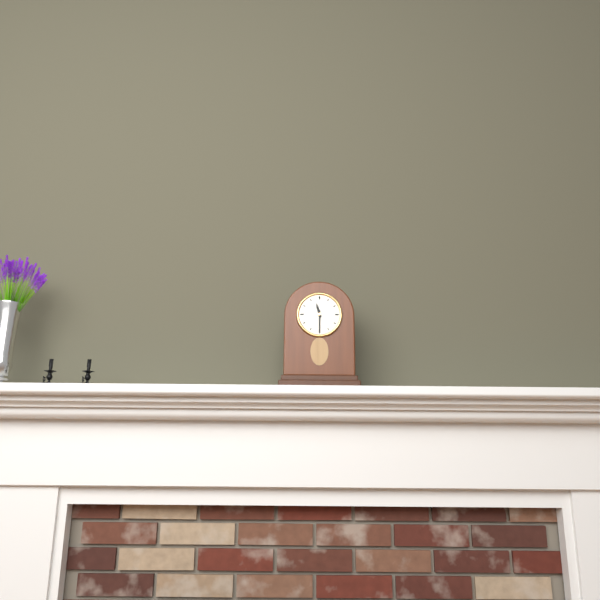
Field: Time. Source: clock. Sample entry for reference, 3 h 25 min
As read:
11 h 30 min
